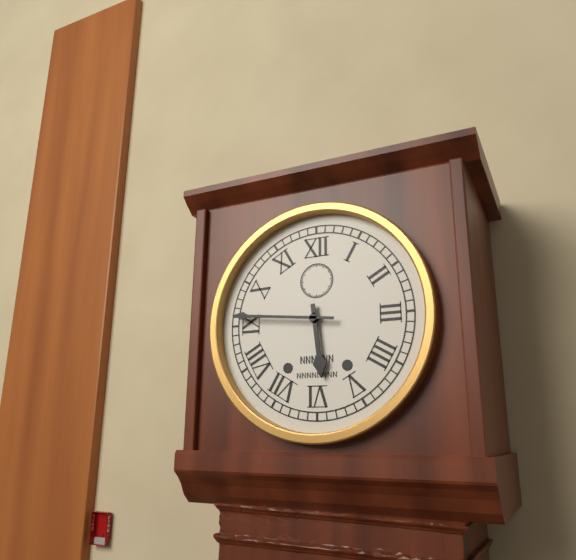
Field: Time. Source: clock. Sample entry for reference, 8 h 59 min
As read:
5 h 46 min
